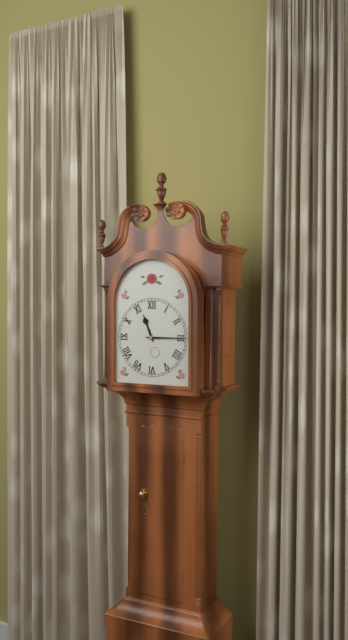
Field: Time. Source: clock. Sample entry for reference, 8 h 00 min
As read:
11 h 15 min
